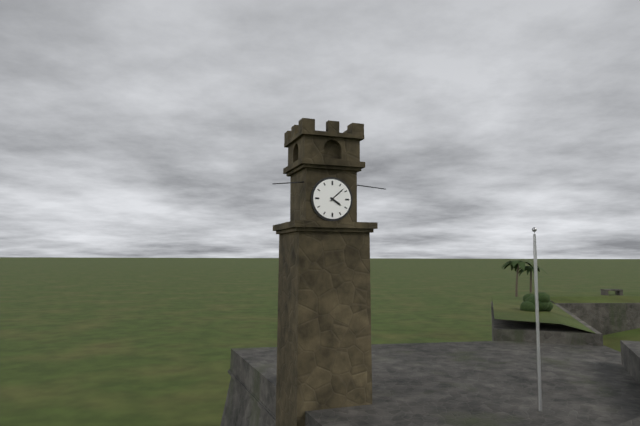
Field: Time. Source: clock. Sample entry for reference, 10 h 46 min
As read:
4 h 08 min
